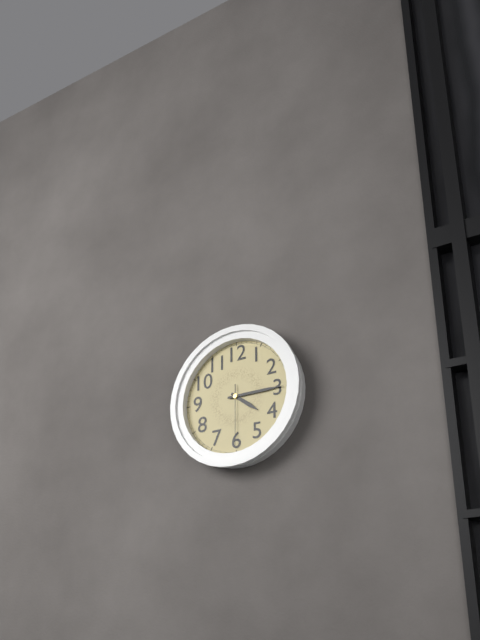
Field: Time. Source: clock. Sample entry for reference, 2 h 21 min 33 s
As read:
4 h 15 min 30 s
